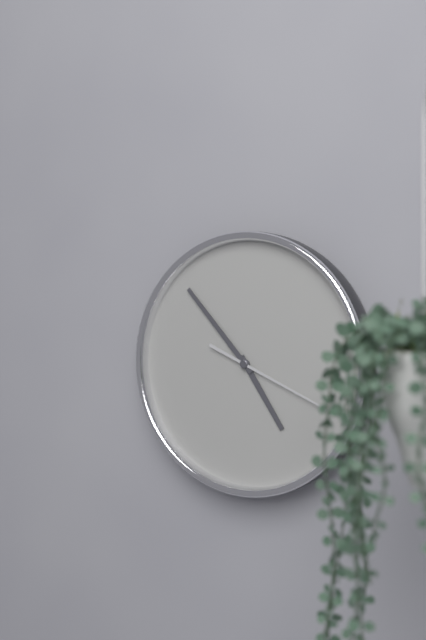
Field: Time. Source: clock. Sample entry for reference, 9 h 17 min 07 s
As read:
4 h 53 min 19 s
